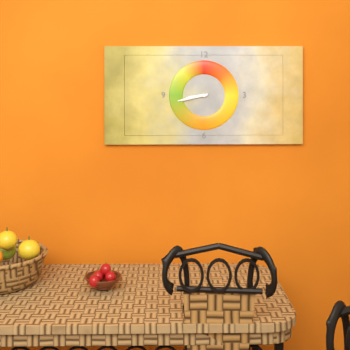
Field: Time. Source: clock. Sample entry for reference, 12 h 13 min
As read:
8 h 43 min
